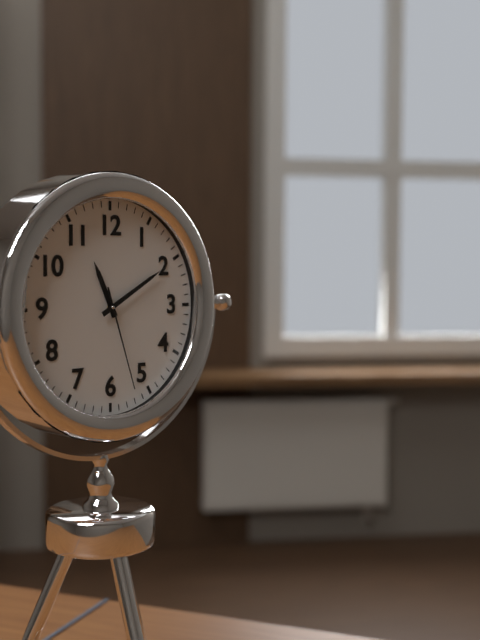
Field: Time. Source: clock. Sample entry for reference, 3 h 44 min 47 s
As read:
11 h 10 min 27 s
